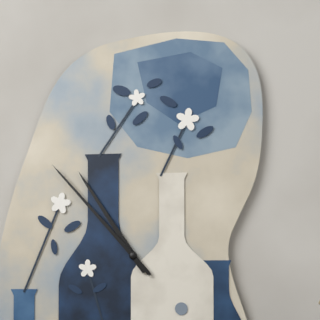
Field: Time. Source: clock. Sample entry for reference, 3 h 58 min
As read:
10 h 53 min
